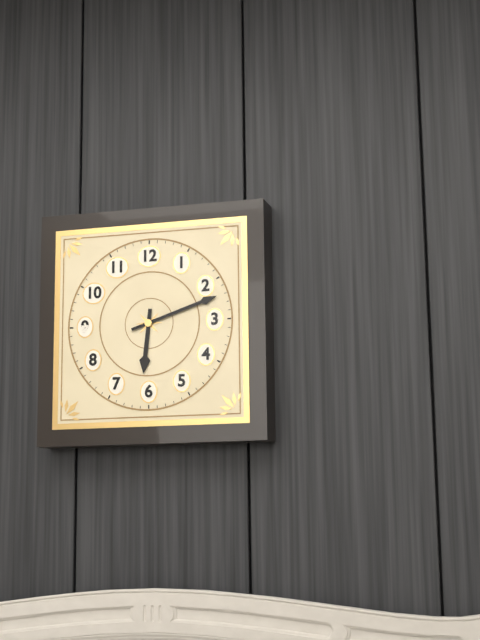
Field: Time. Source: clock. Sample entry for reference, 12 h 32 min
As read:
6 h 12 min
